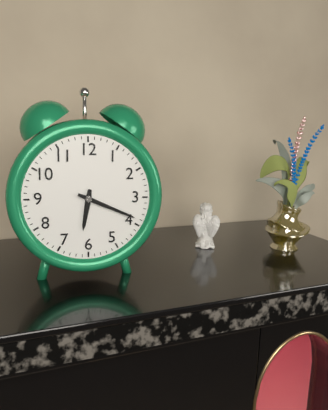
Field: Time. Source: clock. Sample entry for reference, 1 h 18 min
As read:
6 h 19 min
